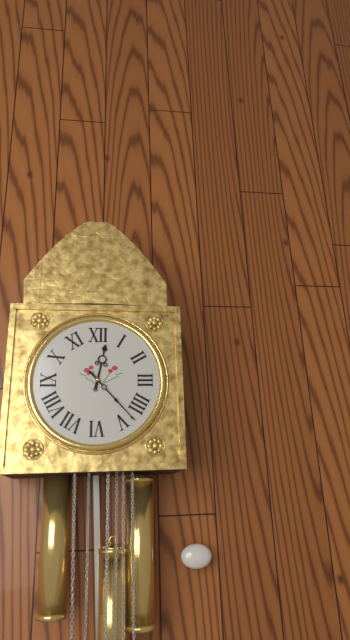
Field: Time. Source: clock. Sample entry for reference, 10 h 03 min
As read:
12 h 23 min
